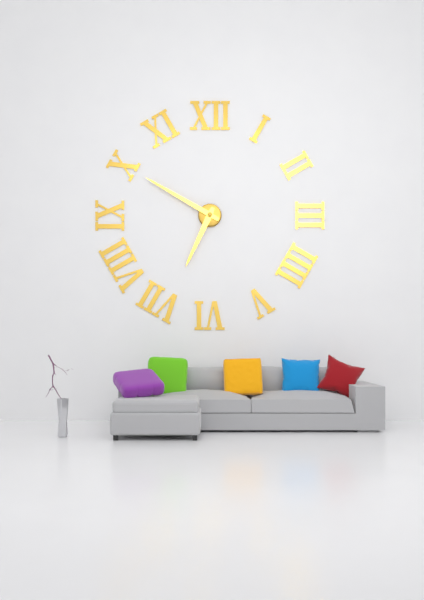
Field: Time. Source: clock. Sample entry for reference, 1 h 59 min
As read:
6 h 50 min
